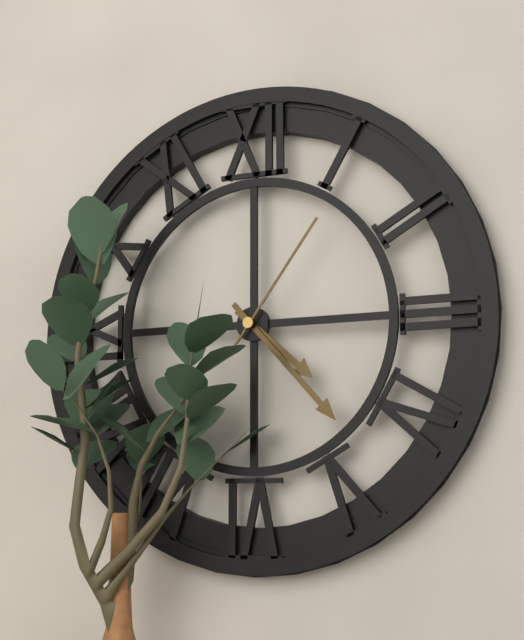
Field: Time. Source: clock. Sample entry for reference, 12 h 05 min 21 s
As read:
4 h 23 min 06 s
